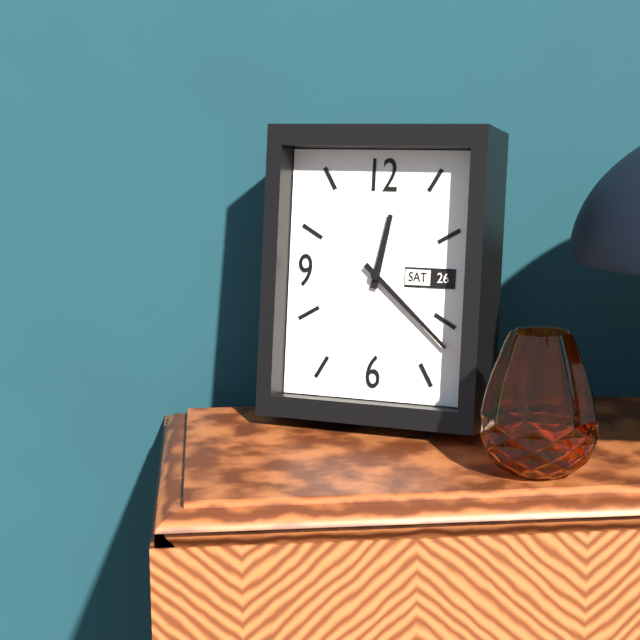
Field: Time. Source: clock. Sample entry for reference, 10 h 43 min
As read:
12 h 22 min
